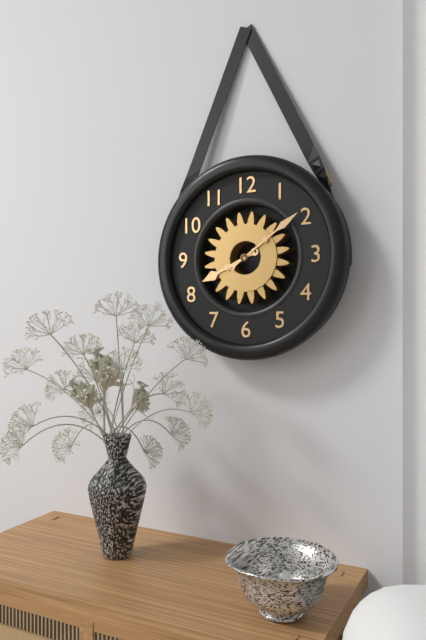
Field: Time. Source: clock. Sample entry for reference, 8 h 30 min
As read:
8 h 09 min
